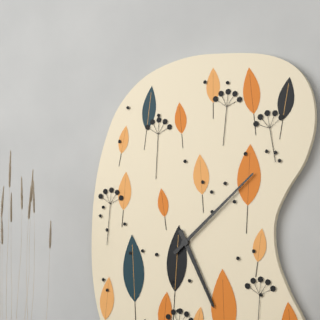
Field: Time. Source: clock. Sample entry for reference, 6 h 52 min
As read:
5 h 08 min
